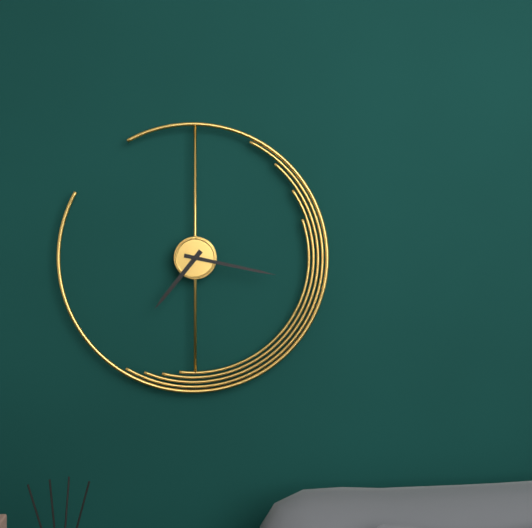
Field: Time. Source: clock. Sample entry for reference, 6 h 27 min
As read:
7 h 17 min
